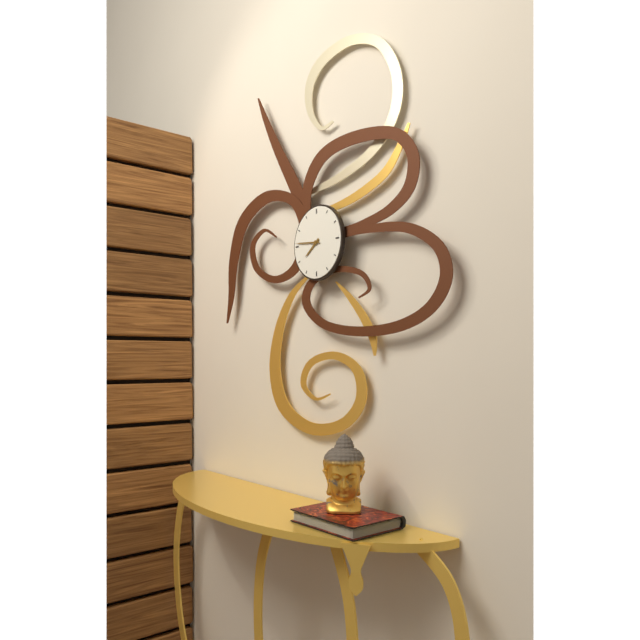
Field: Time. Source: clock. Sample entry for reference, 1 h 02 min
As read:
7 h 46 min
